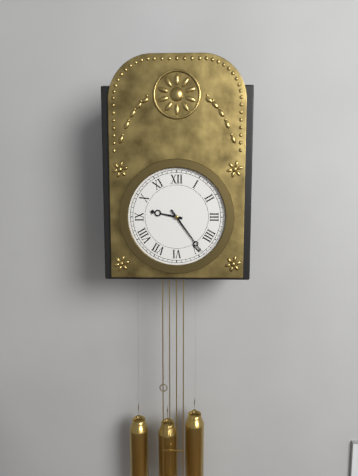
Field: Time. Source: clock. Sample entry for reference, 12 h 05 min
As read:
9 h 24 min
